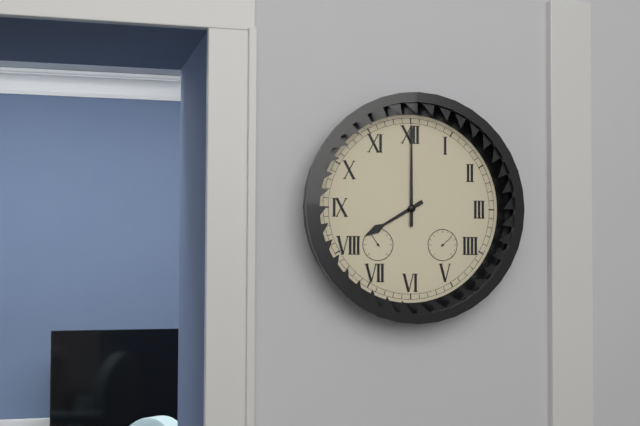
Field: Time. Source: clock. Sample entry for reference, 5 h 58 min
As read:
8 h 00 min
